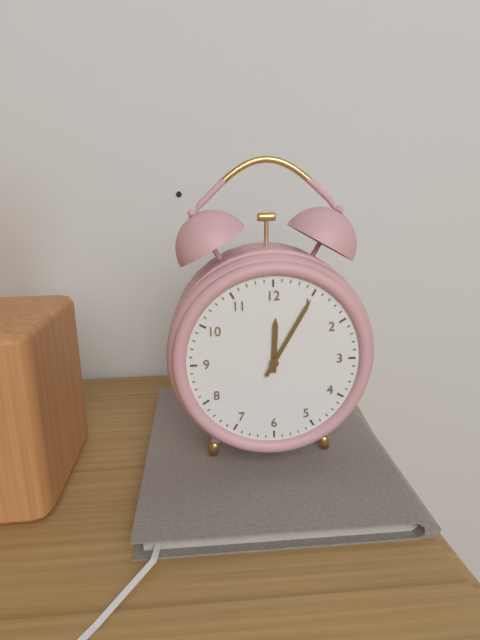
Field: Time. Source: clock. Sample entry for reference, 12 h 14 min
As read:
12 h 05 min
